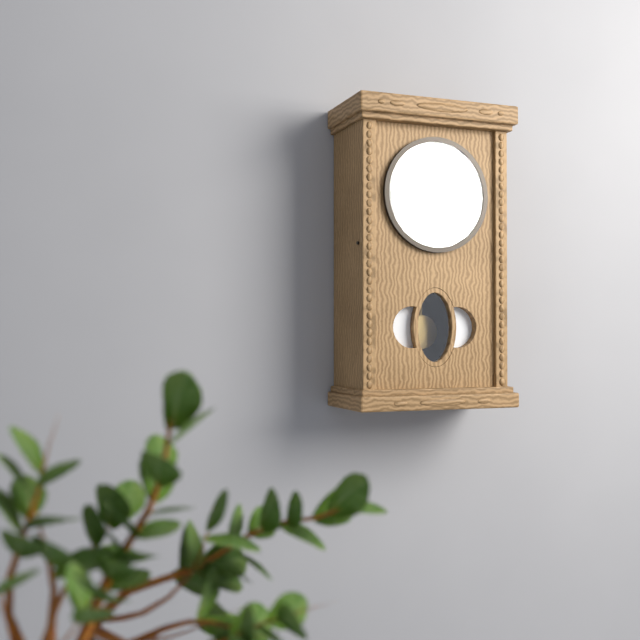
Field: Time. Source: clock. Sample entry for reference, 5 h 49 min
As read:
3 h 30 min
